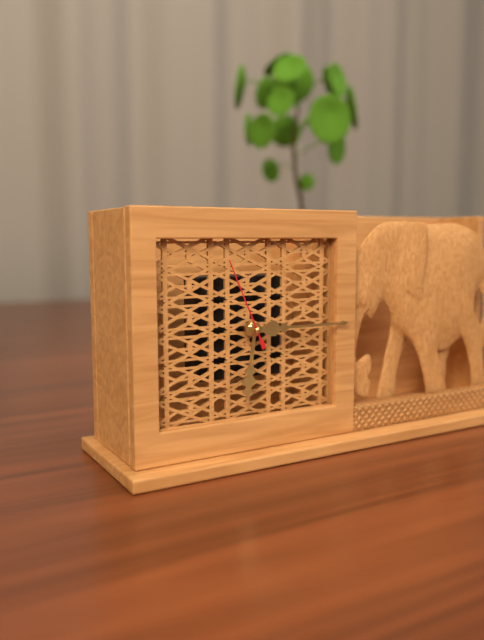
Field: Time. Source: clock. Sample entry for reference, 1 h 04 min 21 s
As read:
6 h 15 min 56 s
